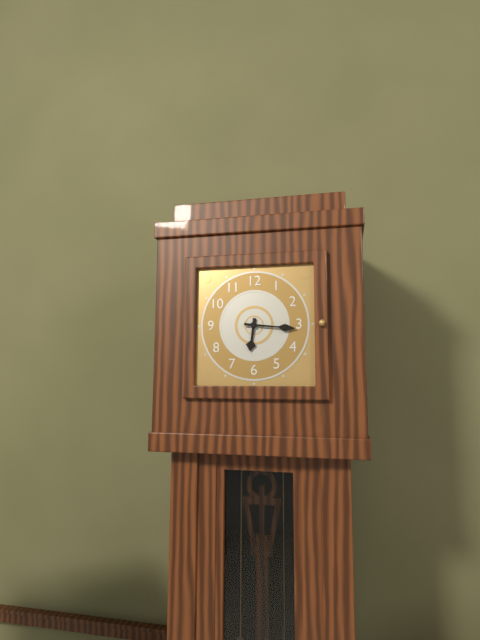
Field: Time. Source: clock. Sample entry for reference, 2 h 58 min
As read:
6 h 16 min
